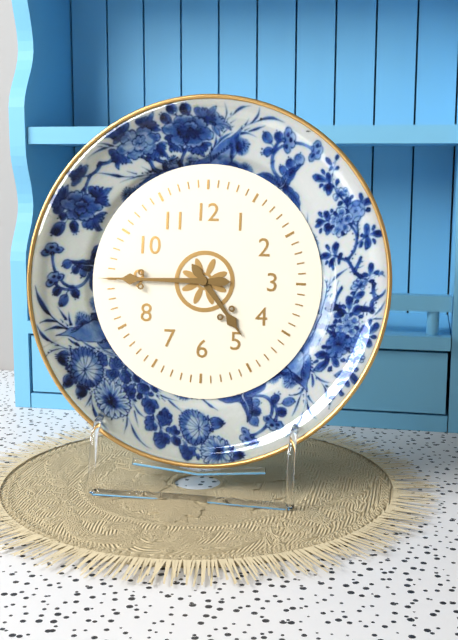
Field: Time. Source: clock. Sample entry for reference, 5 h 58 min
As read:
4 h 45 min
